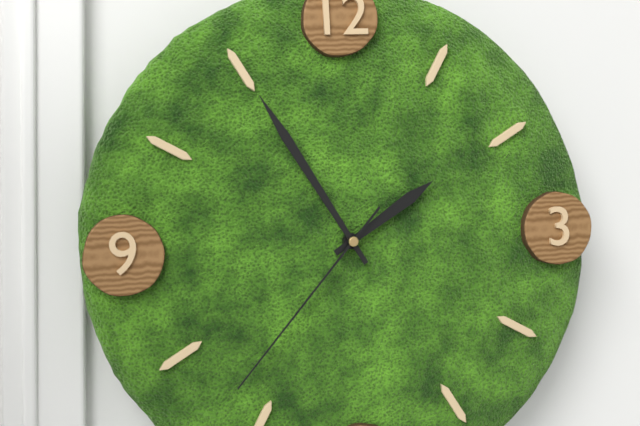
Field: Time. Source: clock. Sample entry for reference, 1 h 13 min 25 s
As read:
1 h 55 min 37 s
